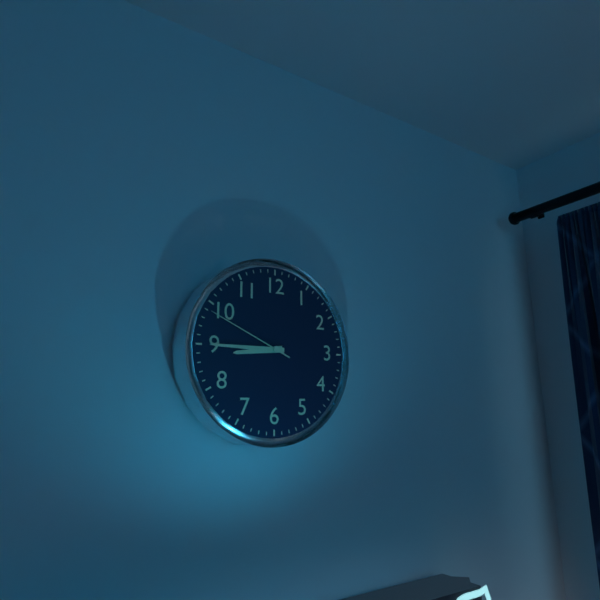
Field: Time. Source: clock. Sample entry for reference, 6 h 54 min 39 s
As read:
8 h 45 min 49 s
